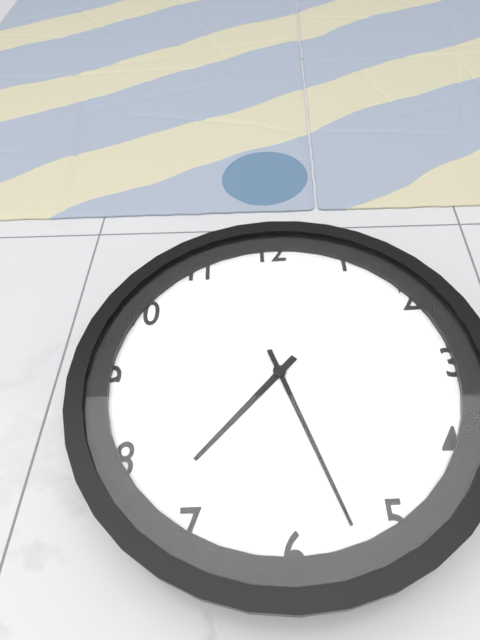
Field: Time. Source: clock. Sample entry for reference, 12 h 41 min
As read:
7 h 27 min
